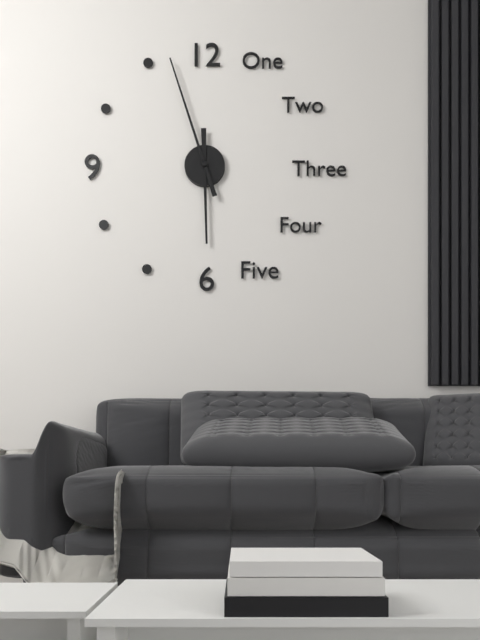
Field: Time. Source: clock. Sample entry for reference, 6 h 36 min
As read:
5 h 57 min
